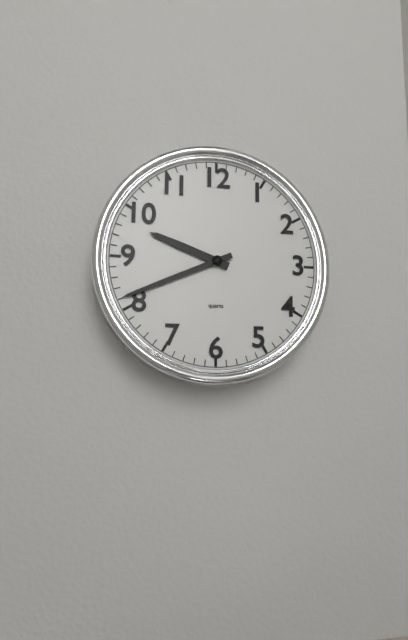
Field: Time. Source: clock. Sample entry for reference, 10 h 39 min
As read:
9 h 41 min
